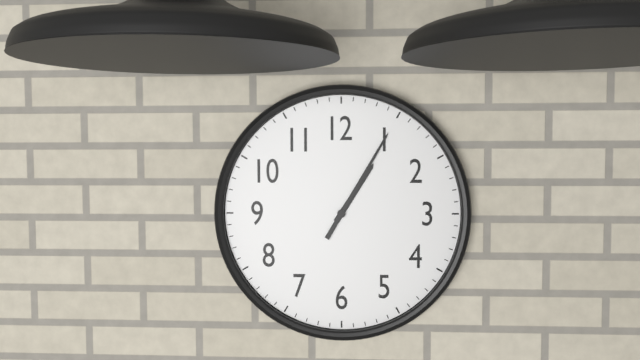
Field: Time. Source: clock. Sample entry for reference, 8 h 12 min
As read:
1 h 05 min
